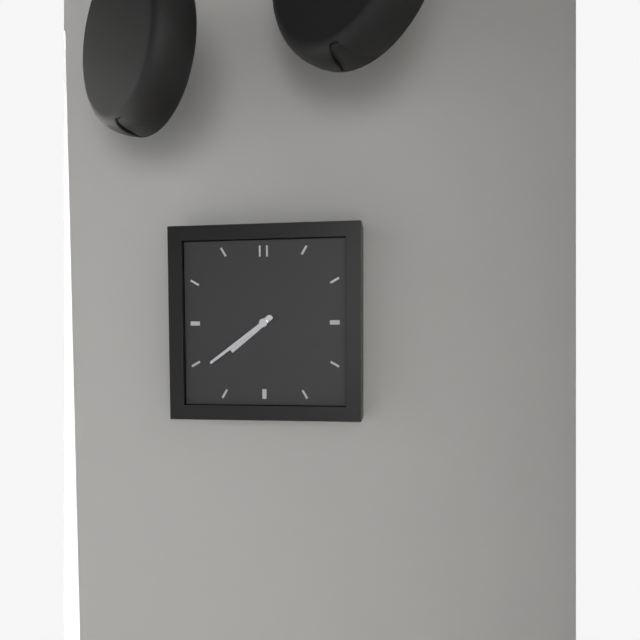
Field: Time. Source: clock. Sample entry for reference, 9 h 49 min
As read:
7 h 39 min
